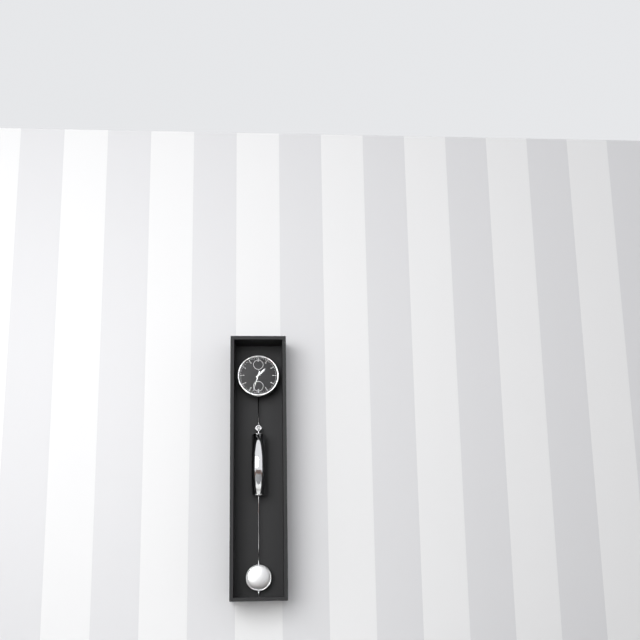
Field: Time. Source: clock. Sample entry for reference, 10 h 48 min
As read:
1 h 33 min
